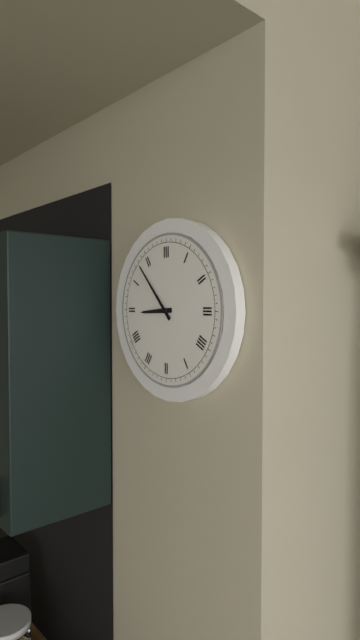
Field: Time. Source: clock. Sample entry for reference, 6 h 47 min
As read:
8 h 53 min
